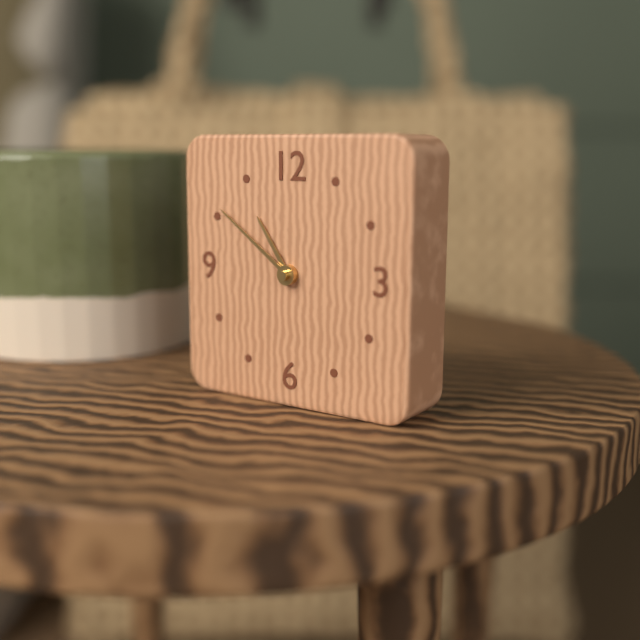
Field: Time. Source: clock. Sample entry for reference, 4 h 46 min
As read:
10 h 51 min
